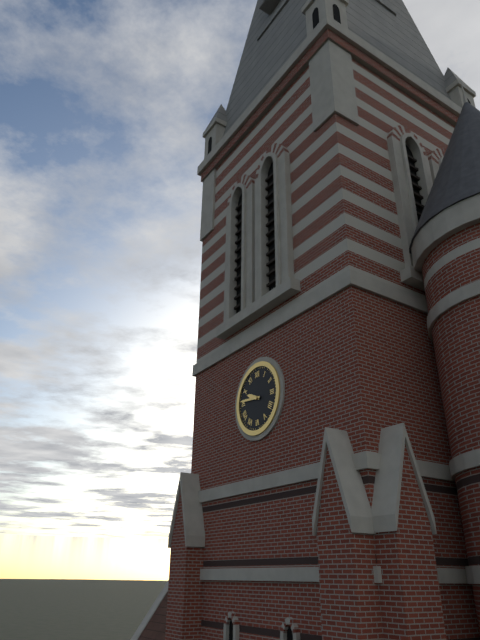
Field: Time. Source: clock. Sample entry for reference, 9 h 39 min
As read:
9 h 46 min
